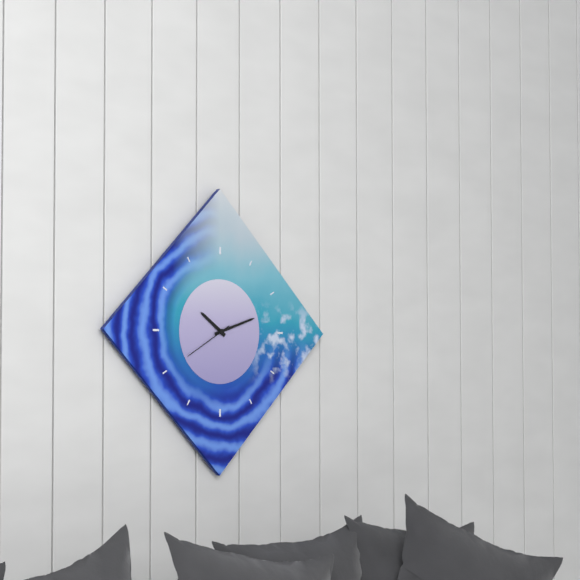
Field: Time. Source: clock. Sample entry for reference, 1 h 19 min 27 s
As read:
10 h 12 min 40 s
